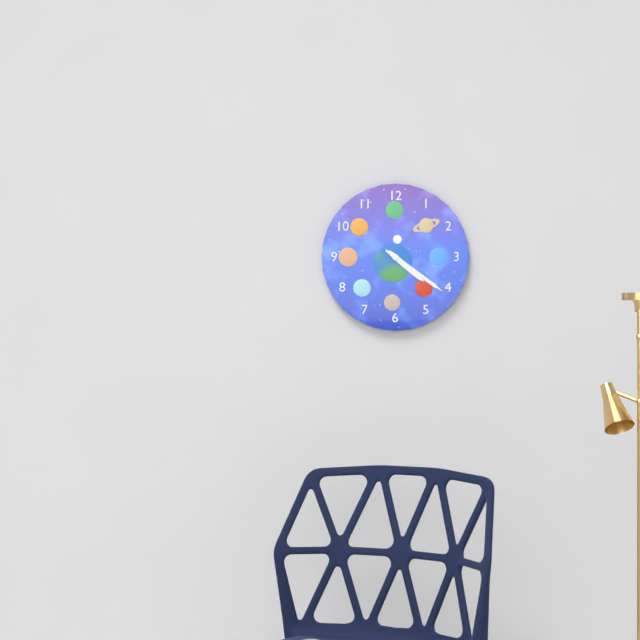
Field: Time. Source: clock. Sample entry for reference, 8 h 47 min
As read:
4 h 21 min
